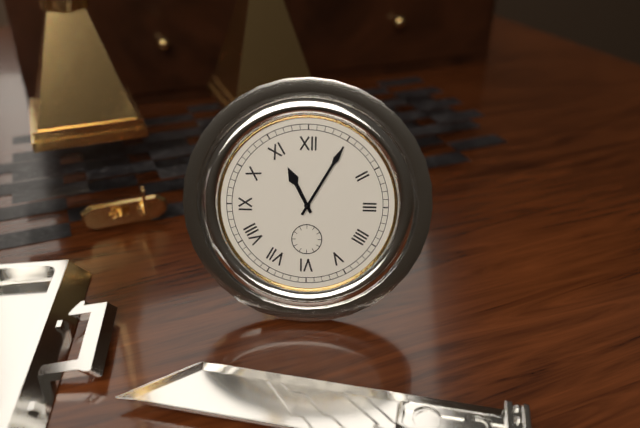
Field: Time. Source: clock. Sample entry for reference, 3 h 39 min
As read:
11 h 05 min
